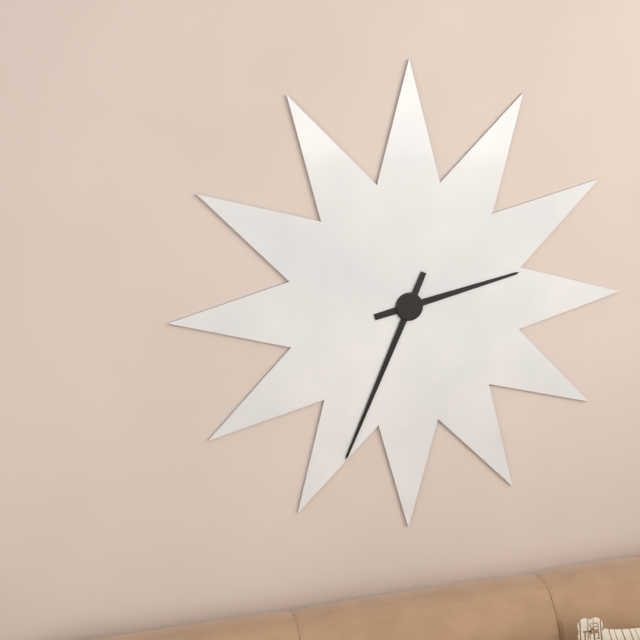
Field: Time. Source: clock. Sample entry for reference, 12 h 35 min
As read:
2 h 34 min
